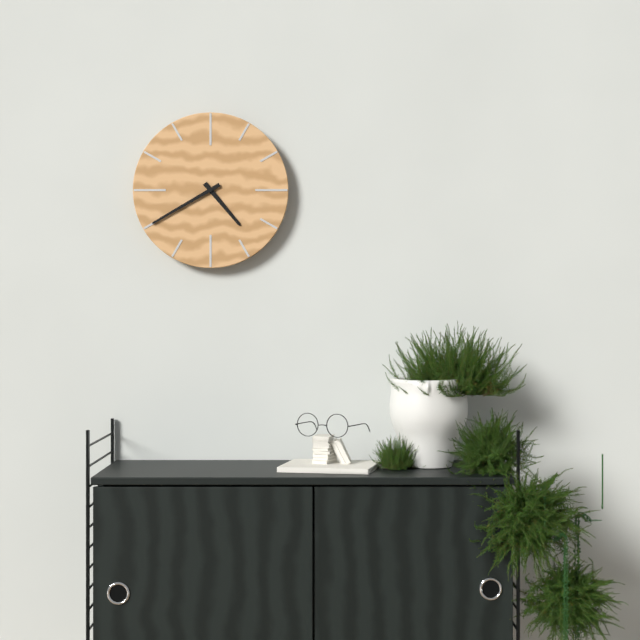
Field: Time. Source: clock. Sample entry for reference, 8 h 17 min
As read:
4 h 40 min
